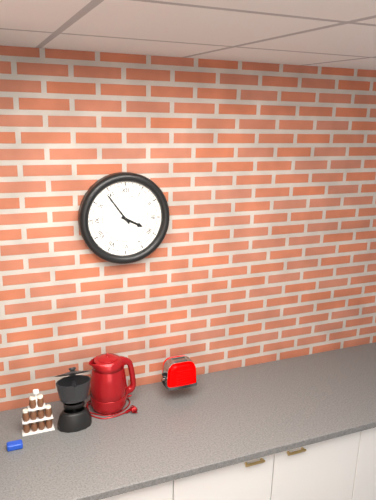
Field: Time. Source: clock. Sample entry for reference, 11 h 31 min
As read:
3 h 54 min
